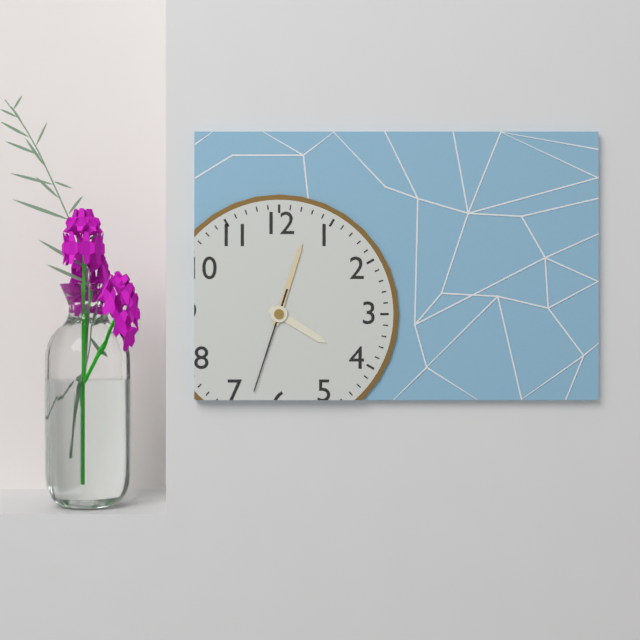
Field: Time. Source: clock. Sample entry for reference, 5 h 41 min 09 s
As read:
4 h 03 min 33 s
